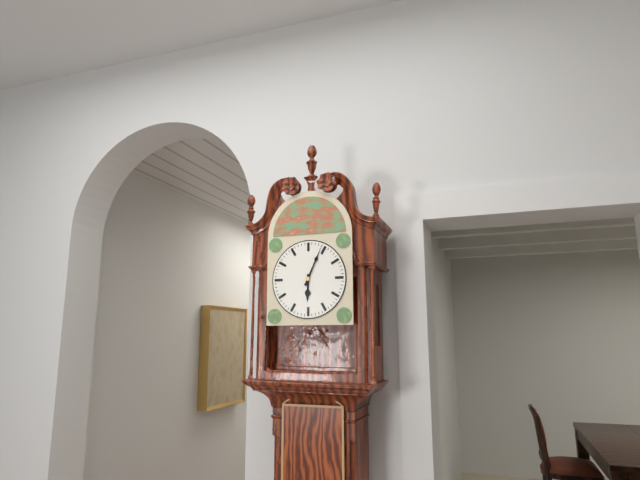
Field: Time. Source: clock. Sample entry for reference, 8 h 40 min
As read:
6 h 04 min
